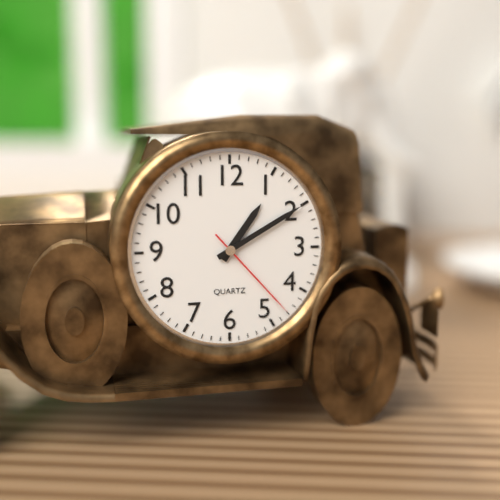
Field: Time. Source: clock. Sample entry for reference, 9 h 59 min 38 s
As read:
1 h 10 min 23 s
